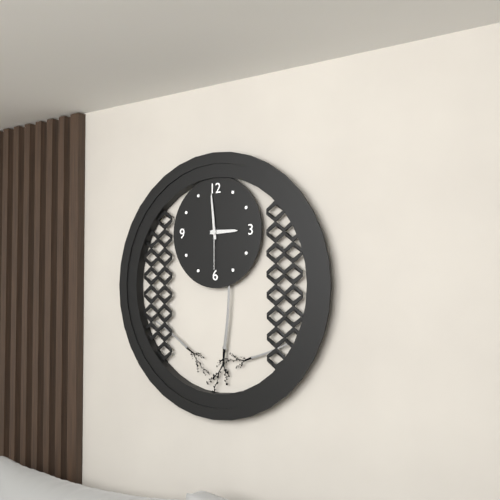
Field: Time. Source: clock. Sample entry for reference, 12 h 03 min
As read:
2 h 59 min
